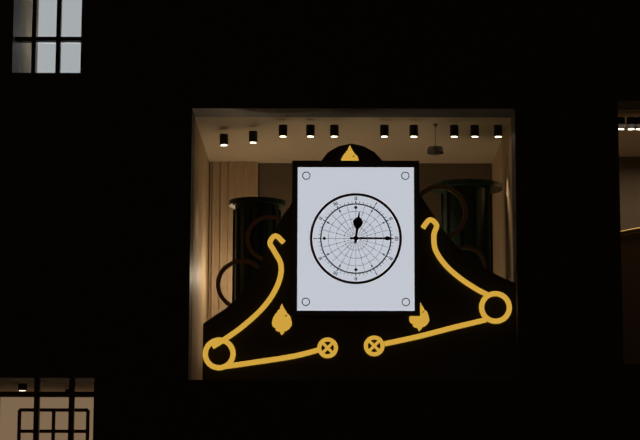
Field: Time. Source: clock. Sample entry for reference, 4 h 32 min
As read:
12 h 15 min
